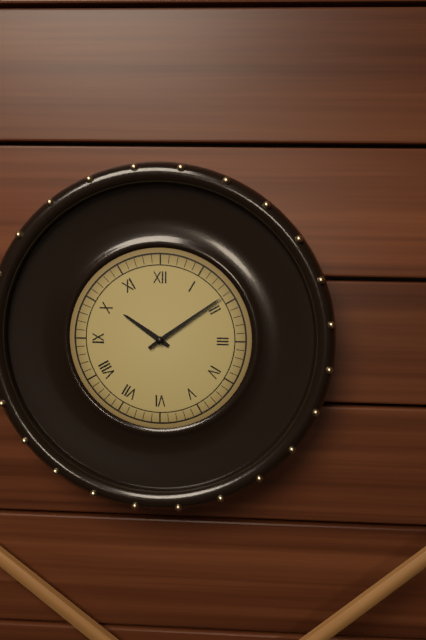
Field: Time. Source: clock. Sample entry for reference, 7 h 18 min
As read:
10 h 09 min
